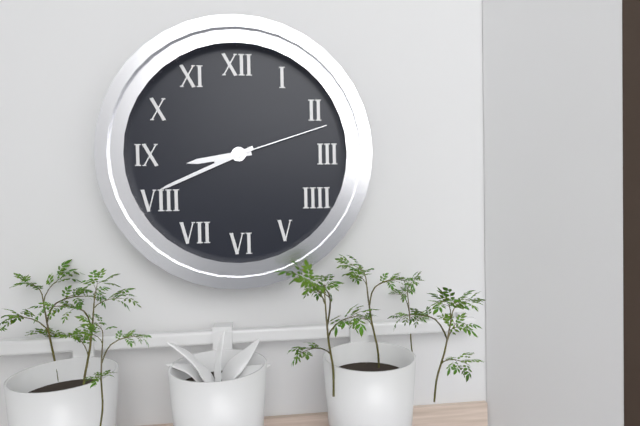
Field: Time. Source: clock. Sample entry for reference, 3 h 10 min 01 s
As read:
8 h 41 min 12 s
